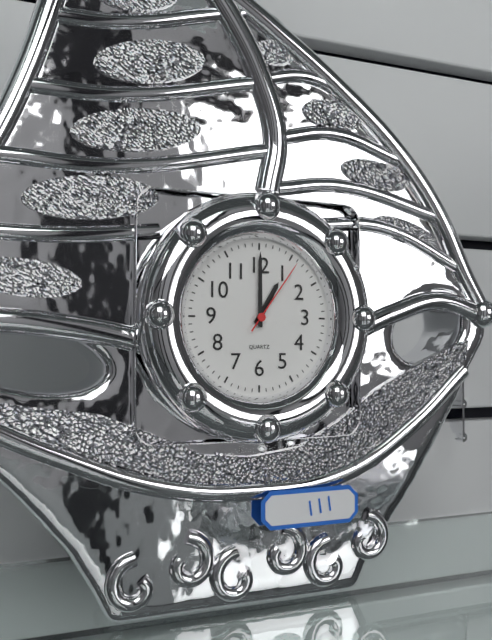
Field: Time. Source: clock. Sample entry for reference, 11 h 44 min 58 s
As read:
1 h 00 min 06 s
